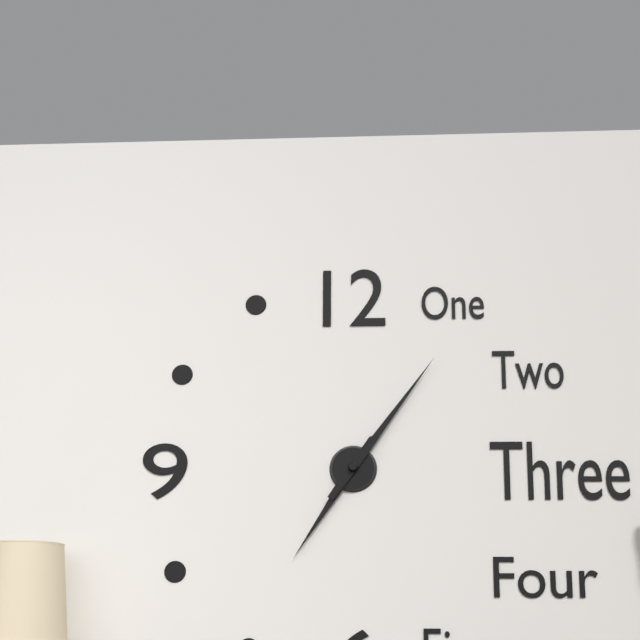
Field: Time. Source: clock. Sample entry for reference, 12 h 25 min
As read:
7 h 06 min
